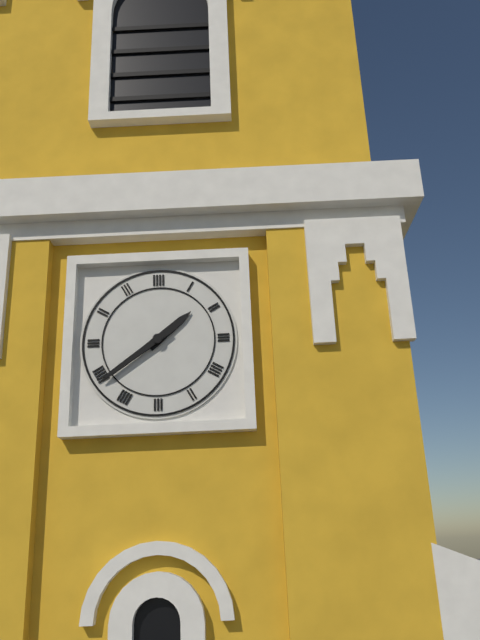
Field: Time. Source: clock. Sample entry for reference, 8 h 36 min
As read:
1 h 39 min
